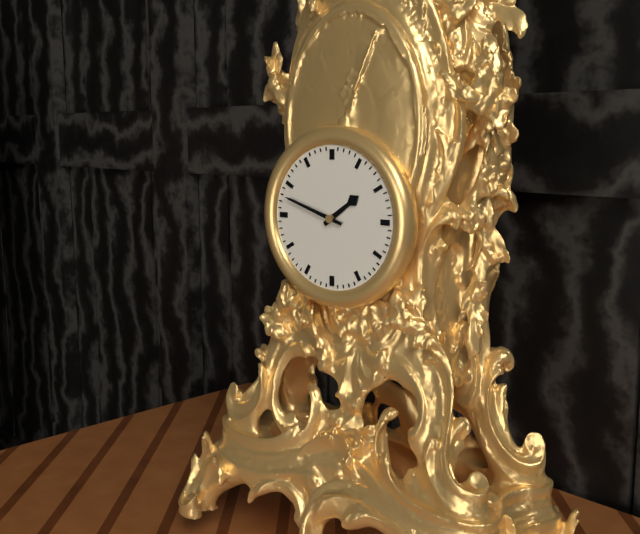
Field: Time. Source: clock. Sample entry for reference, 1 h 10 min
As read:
1 h 48 min
